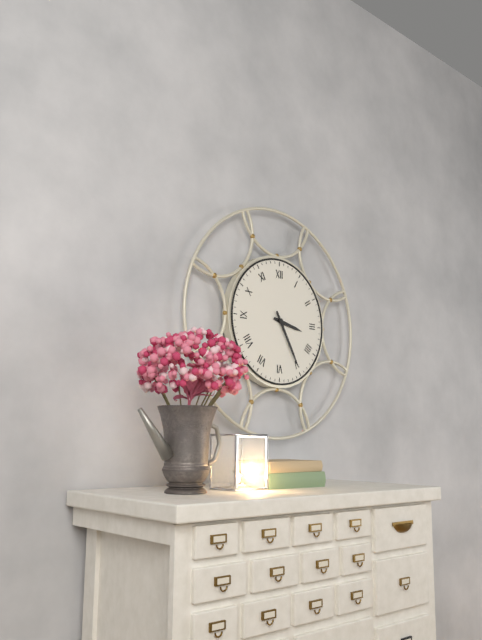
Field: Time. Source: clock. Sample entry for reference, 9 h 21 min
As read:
3 h 25 min
